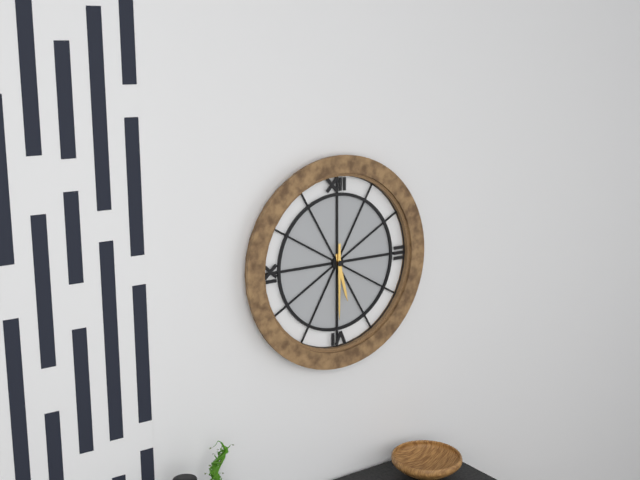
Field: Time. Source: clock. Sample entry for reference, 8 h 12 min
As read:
5 h 30 min
